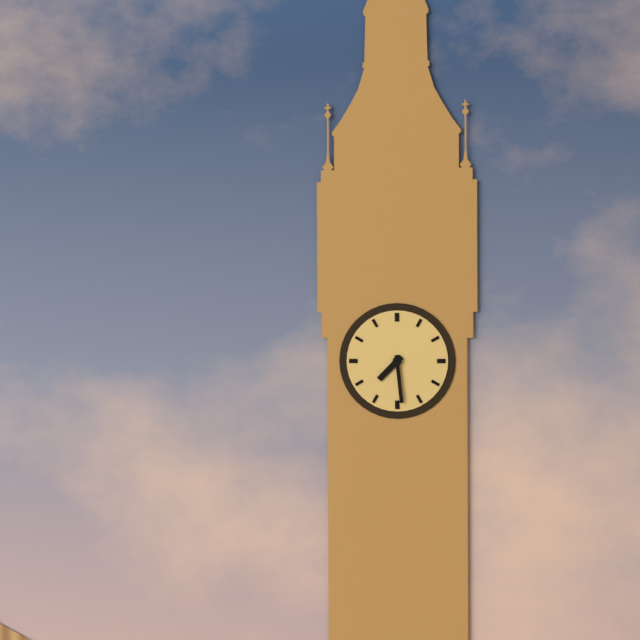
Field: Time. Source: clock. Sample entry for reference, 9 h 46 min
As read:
7 h 29 min
